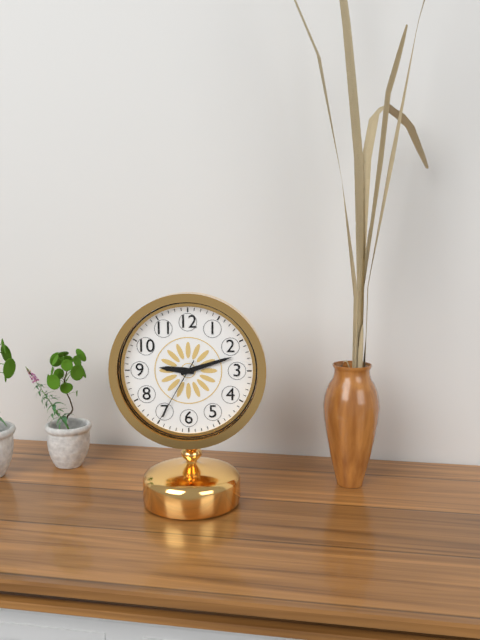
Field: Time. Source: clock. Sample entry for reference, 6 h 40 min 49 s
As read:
9 h 12 min 35 s
